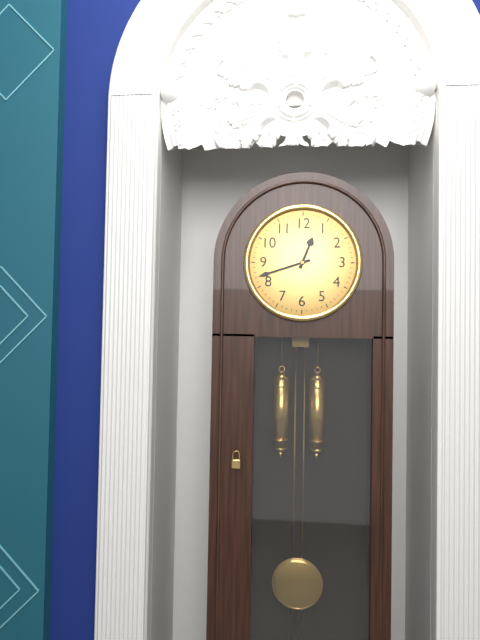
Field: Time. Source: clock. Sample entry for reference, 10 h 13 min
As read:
12 h 42 min
